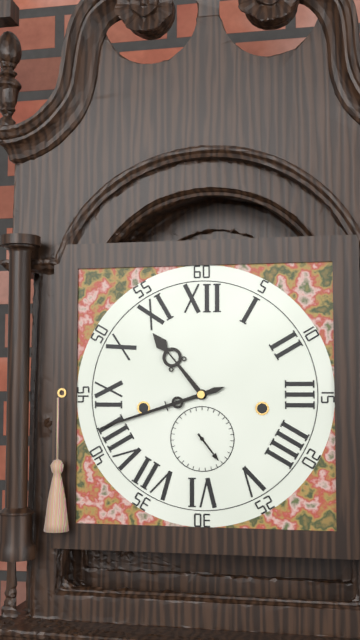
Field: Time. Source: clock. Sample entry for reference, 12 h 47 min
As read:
10 h 42 min
